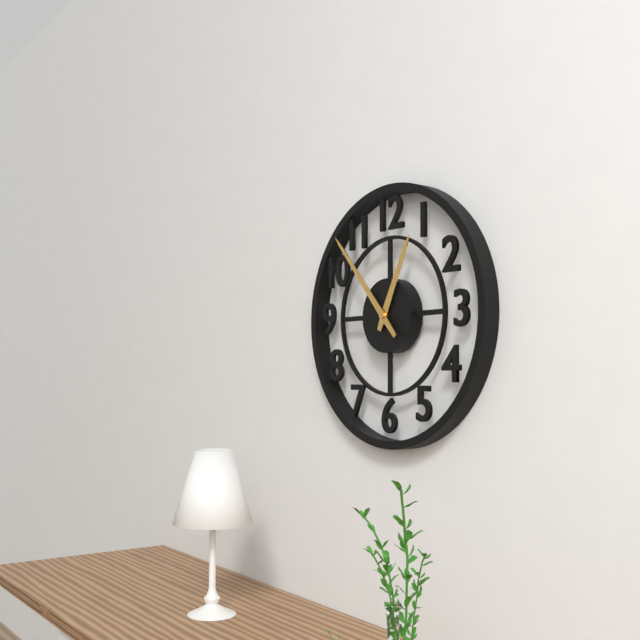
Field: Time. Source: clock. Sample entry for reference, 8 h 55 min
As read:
12 h 53 min
